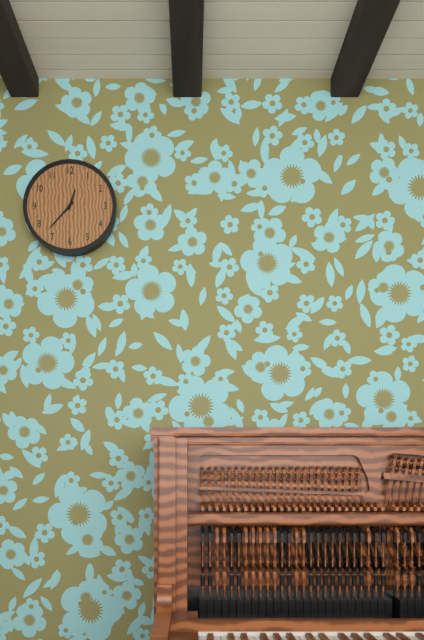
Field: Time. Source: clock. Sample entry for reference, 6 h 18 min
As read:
12 h 37 min
